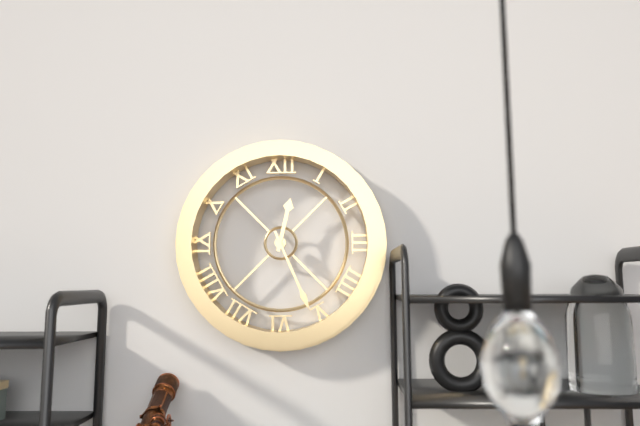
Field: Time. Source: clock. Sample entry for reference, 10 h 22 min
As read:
12 h 26 min
